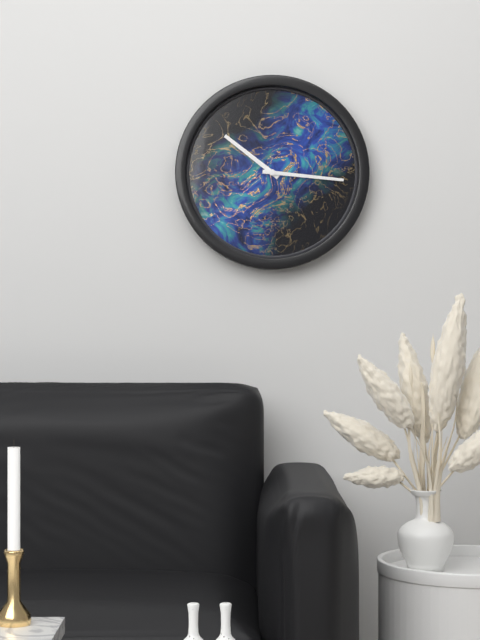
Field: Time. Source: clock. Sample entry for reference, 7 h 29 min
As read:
10 h 16 min
